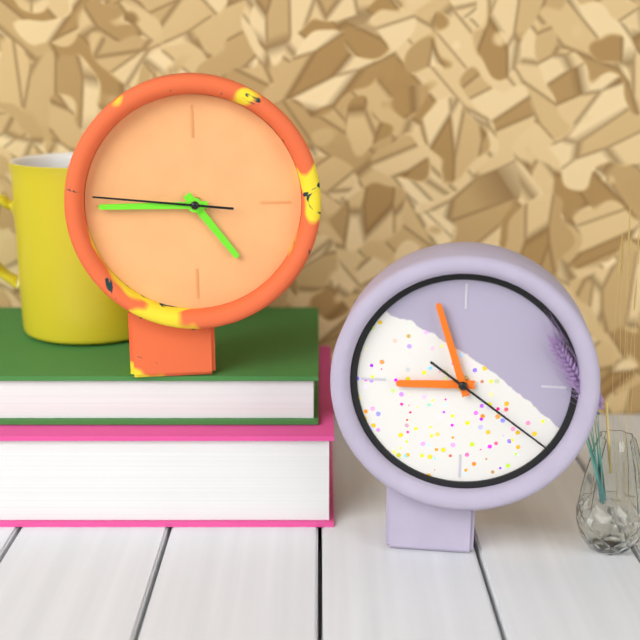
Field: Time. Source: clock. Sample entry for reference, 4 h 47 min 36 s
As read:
4 h 45 min 46 s
